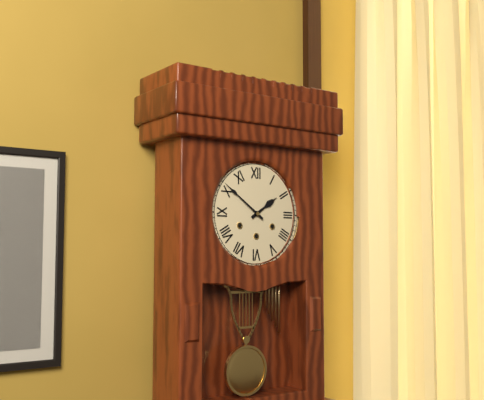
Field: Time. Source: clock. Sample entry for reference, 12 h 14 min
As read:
1 h 51 min
